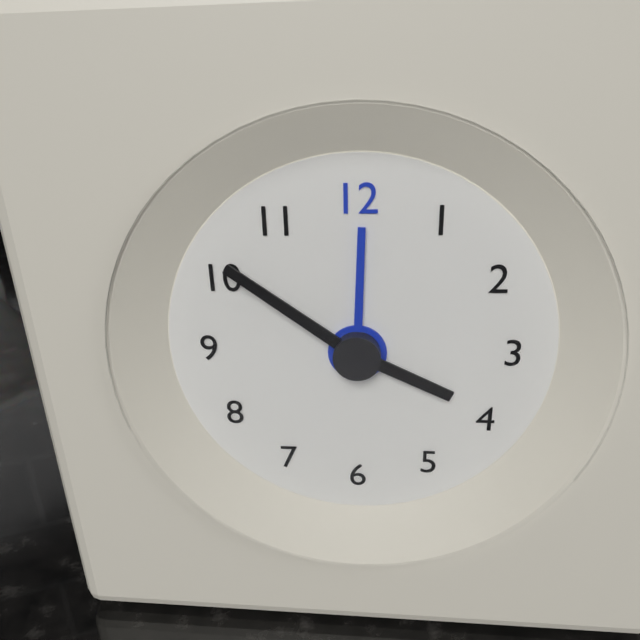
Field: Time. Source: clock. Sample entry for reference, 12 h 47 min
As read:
3 h 51 min
